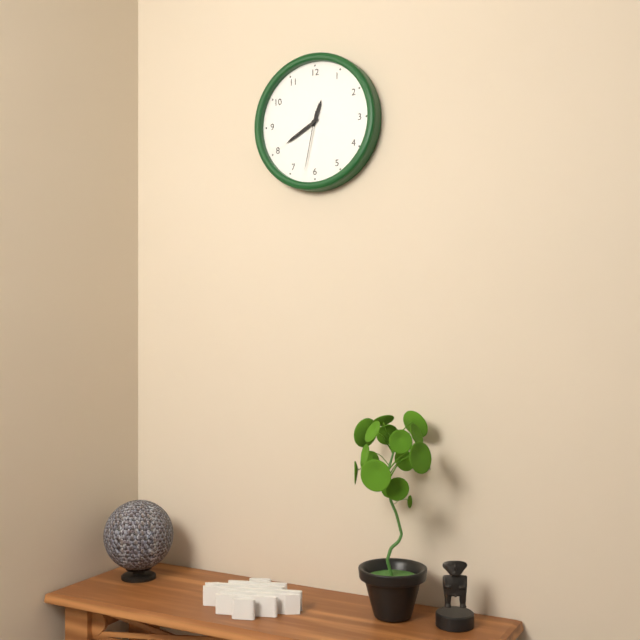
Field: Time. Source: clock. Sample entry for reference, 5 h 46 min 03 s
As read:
12 h 40 min 32 s
